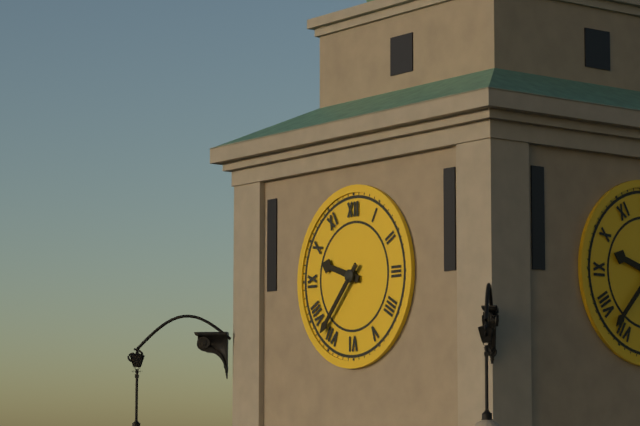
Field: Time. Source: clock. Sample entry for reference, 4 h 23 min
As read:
9 h 37 min
